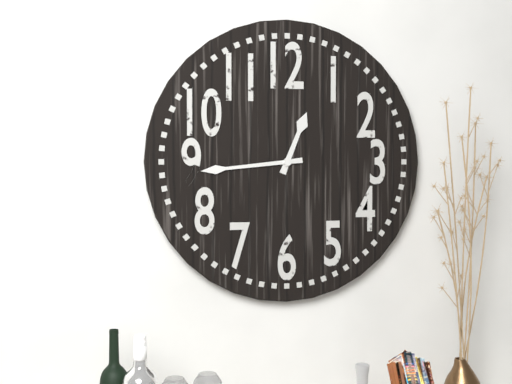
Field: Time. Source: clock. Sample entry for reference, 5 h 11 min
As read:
12 h 44 min
